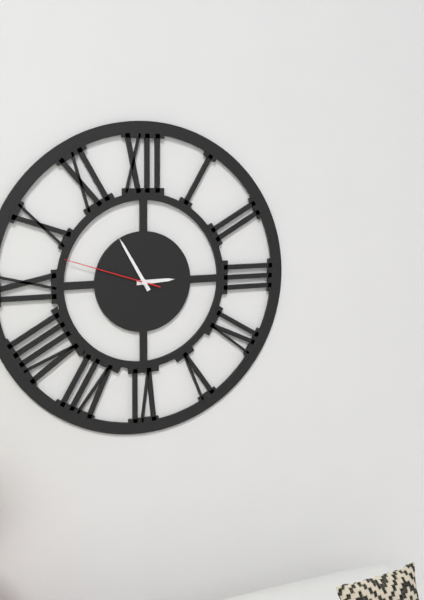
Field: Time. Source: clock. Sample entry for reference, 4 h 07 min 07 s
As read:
2 h 55 min 48 s
